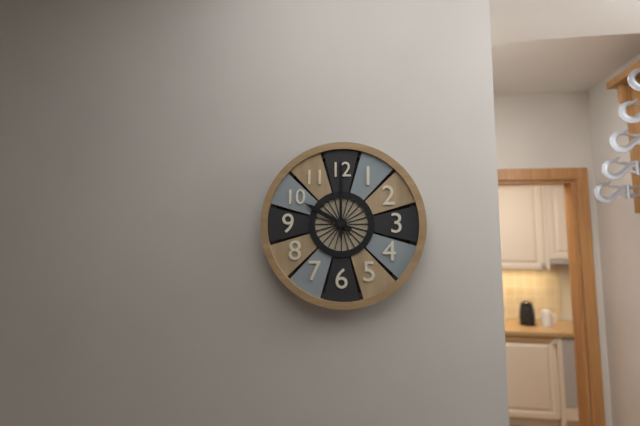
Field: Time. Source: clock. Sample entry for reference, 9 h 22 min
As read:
10 h 00 min
